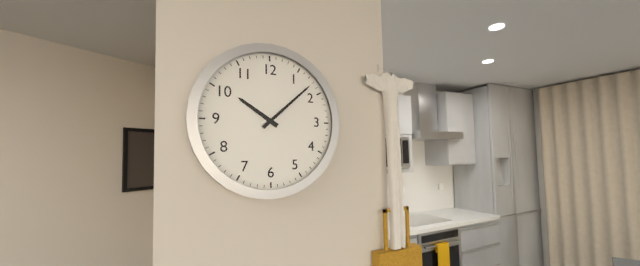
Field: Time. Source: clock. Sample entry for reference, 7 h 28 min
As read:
10 h 08 min
